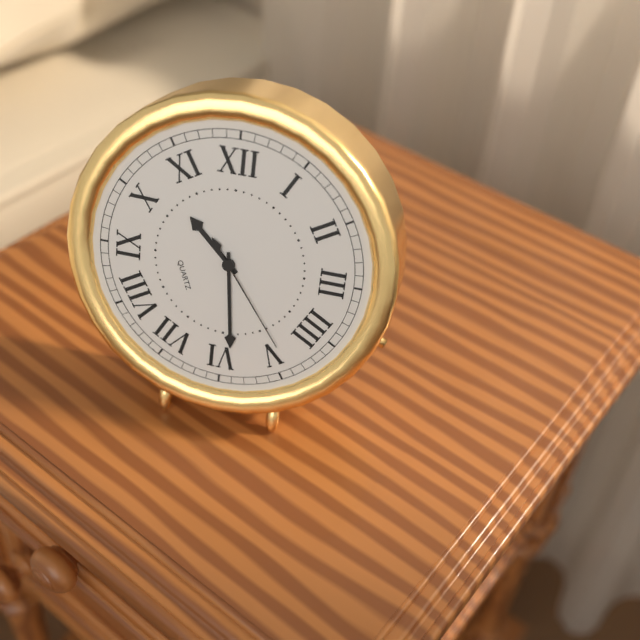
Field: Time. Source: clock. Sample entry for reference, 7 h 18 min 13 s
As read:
10 h 29 min 24 s
